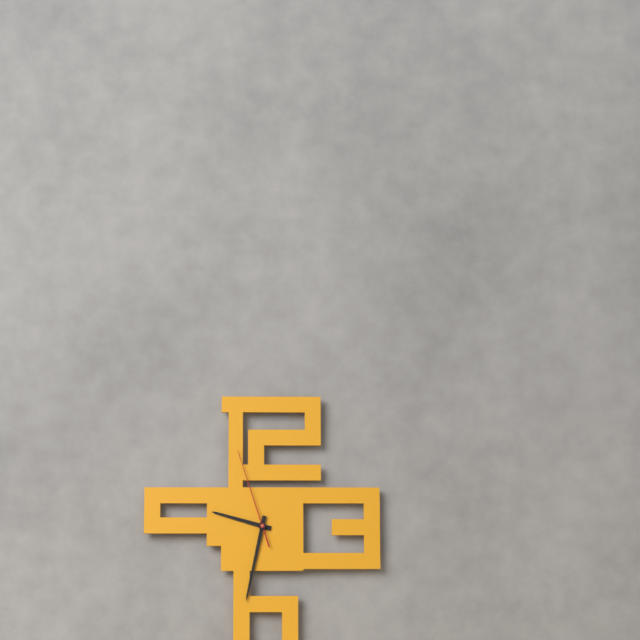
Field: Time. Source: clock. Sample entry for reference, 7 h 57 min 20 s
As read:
9 h 32 min 57 s
